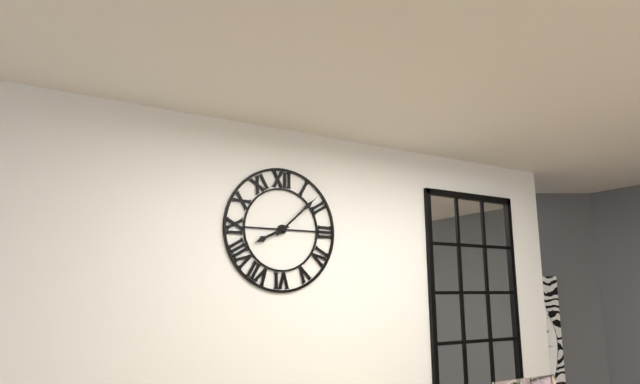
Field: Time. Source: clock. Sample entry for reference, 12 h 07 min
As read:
8 h 08 min
